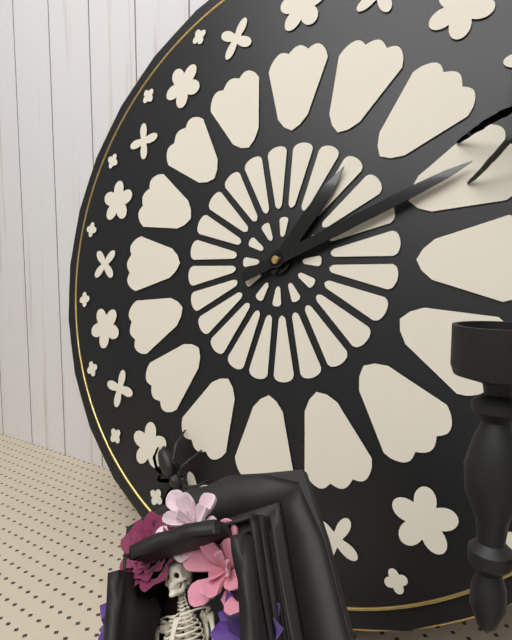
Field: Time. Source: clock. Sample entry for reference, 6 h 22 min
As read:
1 h 11 min
